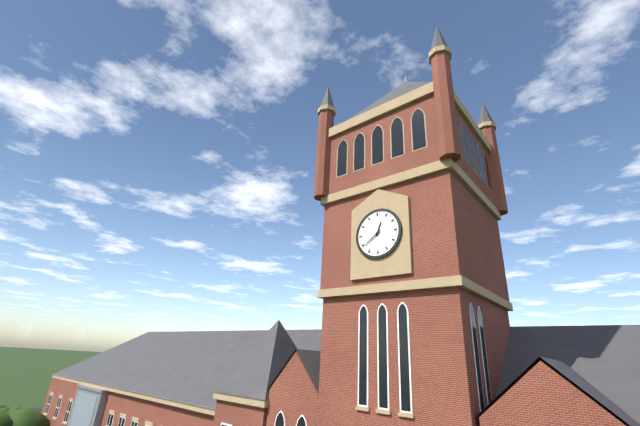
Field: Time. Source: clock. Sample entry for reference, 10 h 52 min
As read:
12 h 39 min
